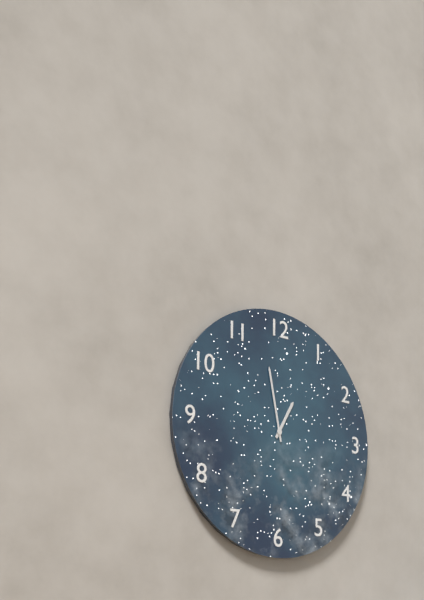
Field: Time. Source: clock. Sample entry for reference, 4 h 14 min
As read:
12 h 58 min
